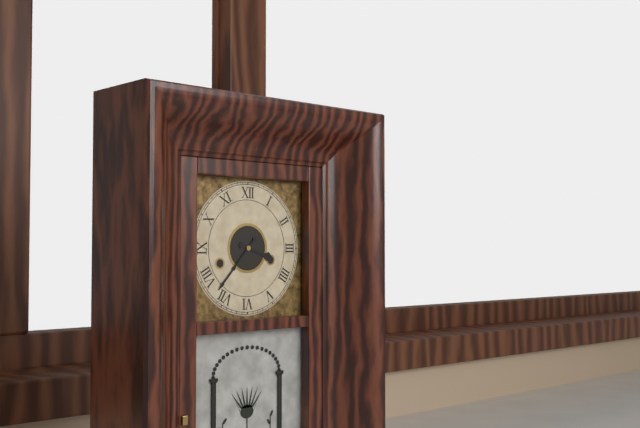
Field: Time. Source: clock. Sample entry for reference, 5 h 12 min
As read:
3 h 37 min
